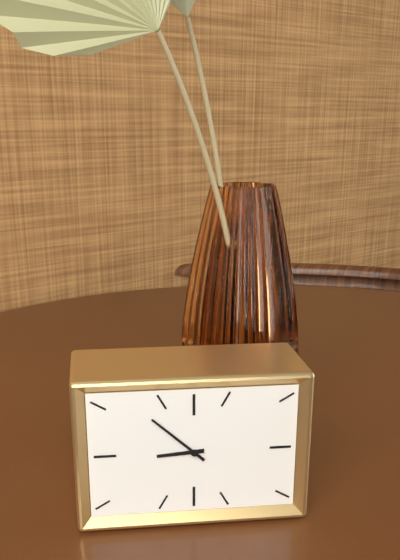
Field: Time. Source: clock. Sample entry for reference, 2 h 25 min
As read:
8 h 52 min
